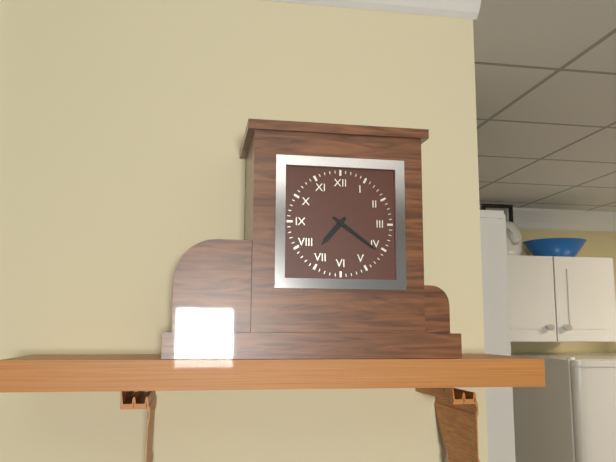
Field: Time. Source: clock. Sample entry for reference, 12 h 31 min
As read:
7 h 21 min
